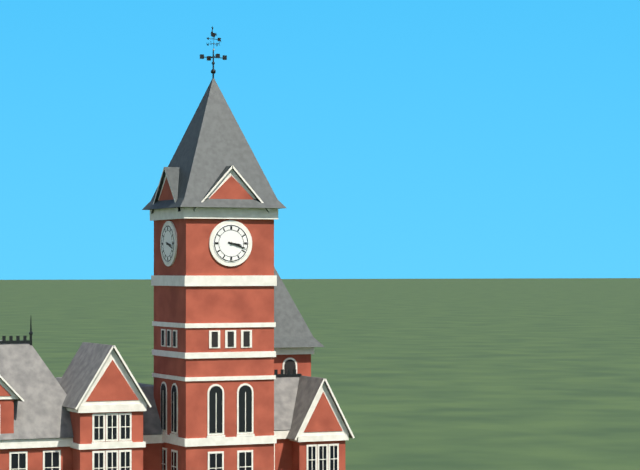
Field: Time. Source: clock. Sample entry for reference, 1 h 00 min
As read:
3 h 18 min
